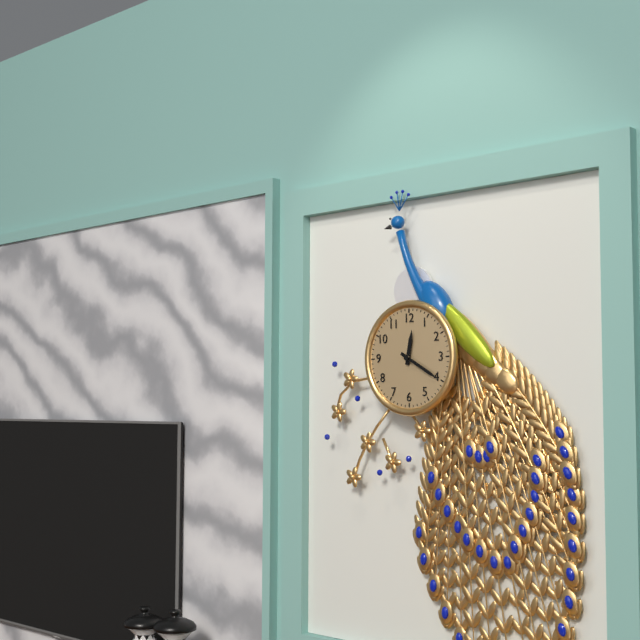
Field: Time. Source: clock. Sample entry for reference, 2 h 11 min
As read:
12 h 20 min
